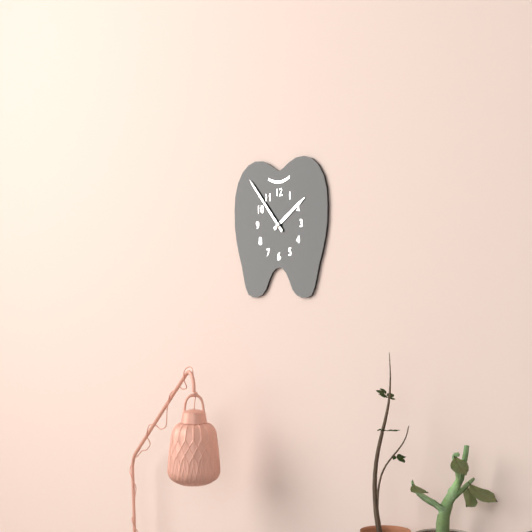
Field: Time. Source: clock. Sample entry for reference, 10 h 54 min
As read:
1 h 53 min
